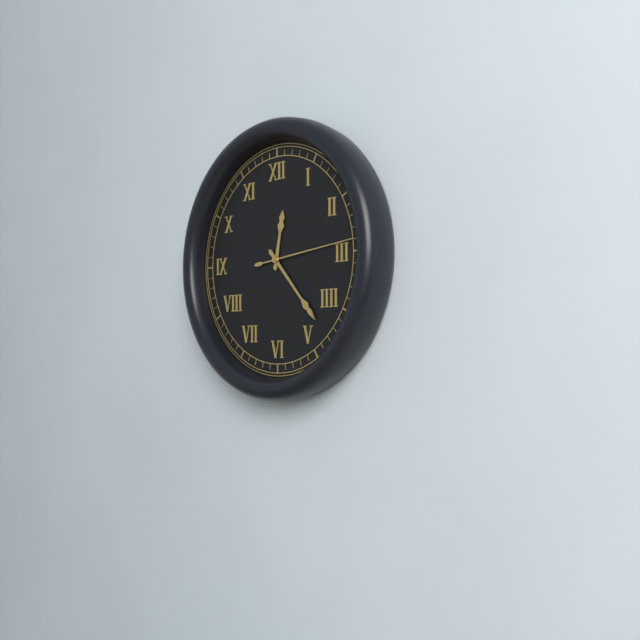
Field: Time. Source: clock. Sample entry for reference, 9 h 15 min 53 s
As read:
12 h 23 min 14 s
